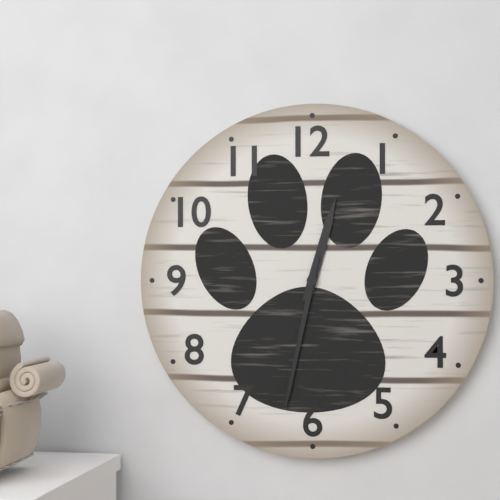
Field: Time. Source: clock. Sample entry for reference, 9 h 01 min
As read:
12 h 32 min
